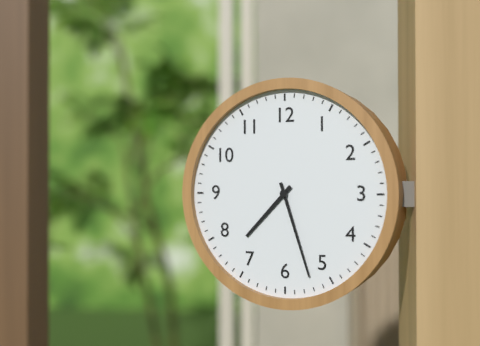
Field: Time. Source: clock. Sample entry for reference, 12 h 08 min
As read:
7 h 27 min
